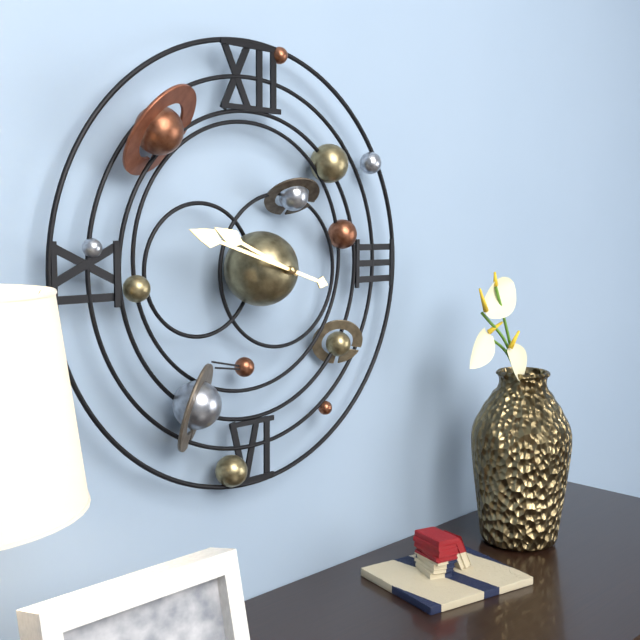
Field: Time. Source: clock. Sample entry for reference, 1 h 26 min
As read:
9 h 48 min
